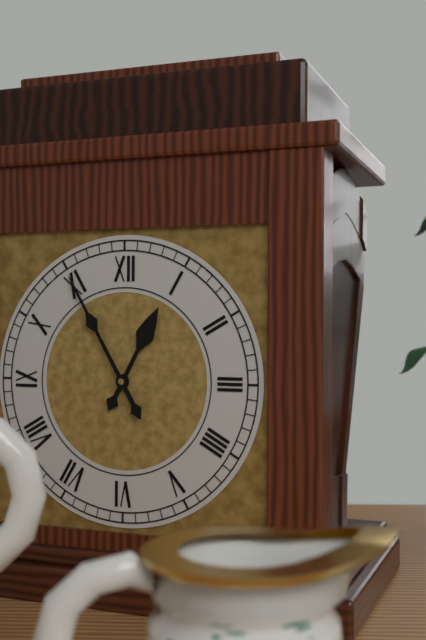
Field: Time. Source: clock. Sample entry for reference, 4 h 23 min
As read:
12 h 55 min
